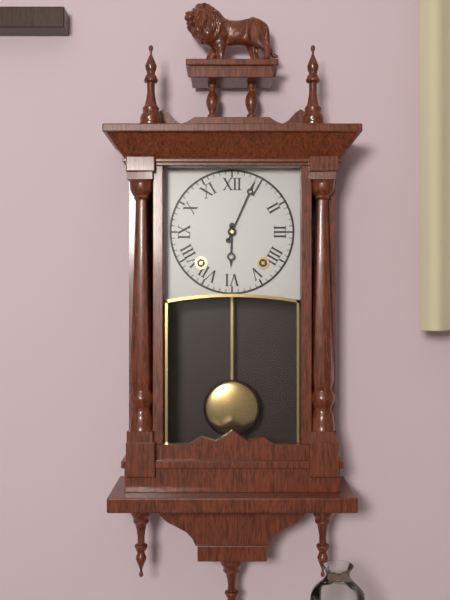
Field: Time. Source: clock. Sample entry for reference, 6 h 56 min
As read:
6 h 04 min
